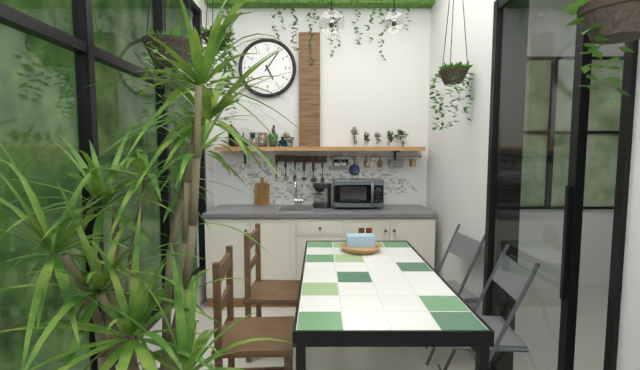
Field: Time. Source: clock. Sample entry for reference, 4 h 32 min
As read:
5 h 06 min
